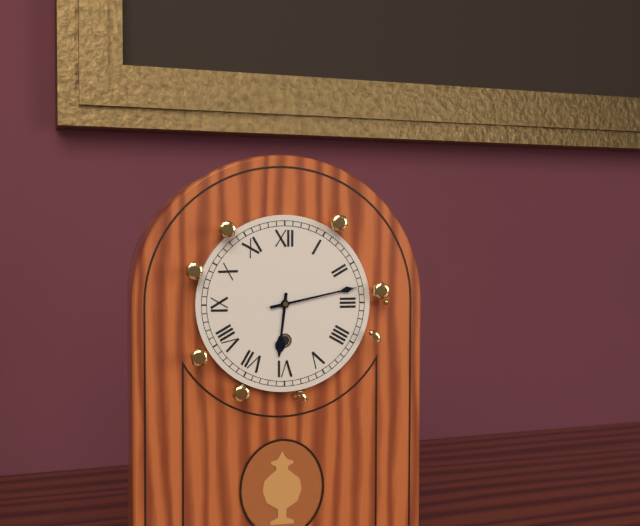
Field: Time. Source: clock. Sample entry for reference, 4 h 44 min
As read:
6 h 13 min
